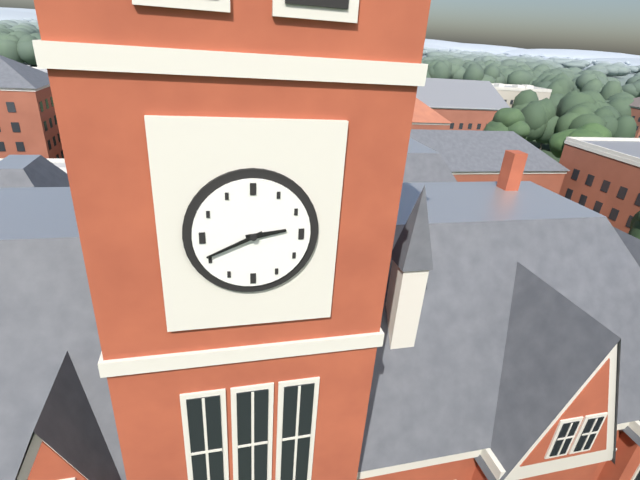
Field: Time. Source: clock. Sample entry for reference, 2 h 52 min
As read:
2 h 41 min
